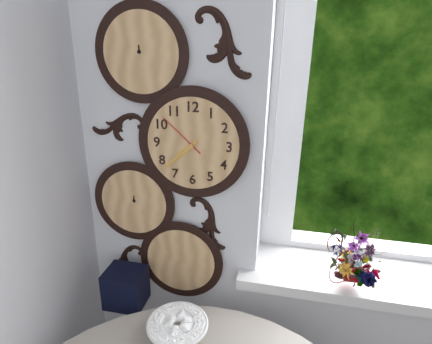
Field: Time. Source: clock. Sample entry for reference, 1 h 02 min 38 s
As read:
7 h 38 min 52 s
